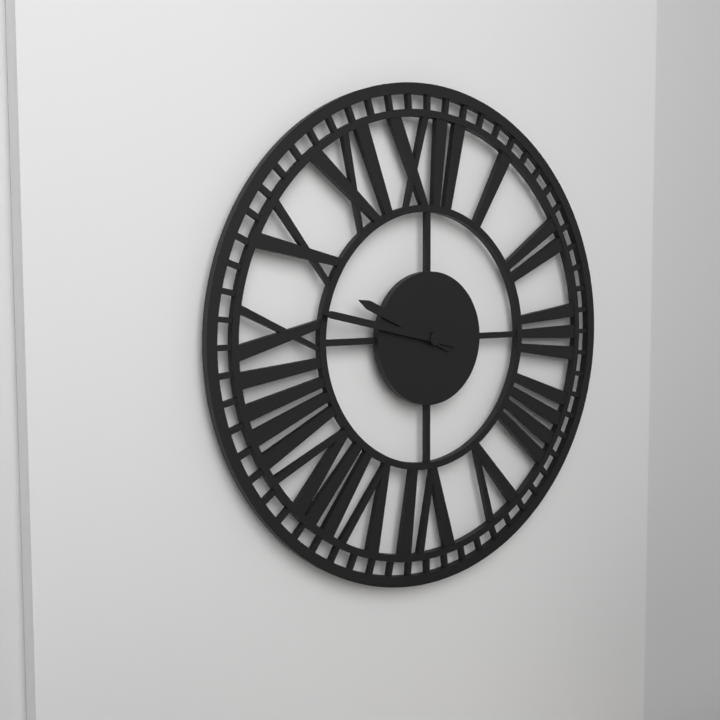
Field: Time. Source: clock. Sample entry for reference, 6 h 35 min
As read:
9 h 47 min
